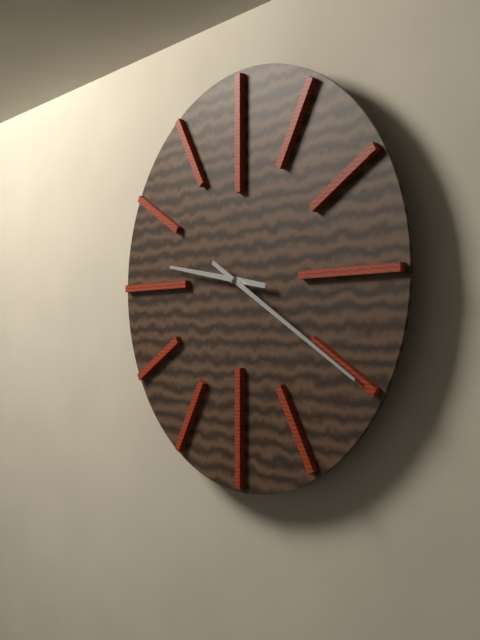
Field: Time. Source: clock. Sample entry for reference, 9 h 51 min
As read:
9 h 20 min
